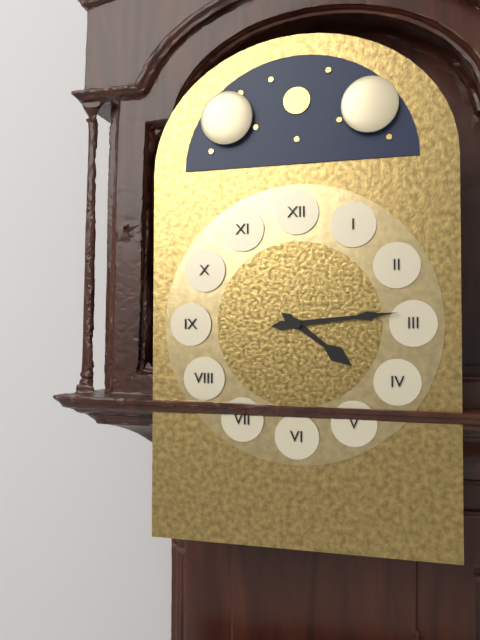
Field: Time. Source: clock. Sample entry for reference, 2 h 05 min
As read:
4 h 14 min
